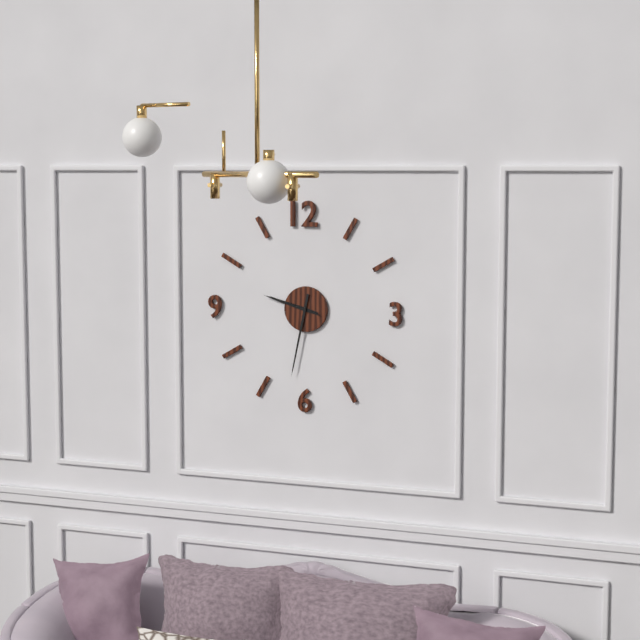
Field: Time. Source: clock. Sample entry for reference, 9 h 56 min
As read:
9 h 32 min
